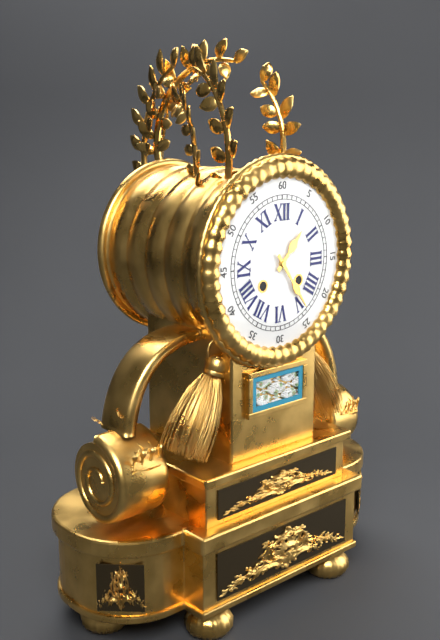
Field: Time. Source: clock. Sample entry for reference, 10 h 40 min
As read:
1 h 24 min
